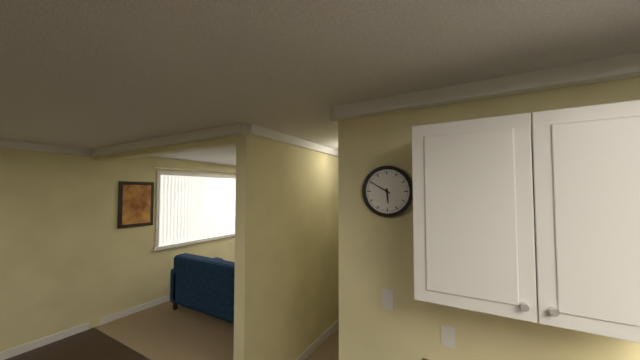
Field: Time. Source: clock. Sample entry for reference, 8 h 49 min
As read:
5 h 50 min
